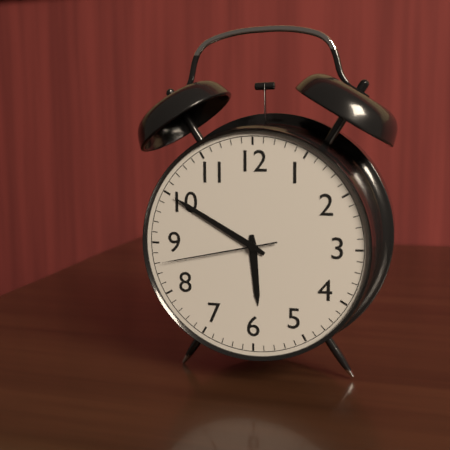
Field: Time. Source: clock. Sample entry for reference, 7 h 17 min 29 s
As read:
5 h 50 min 43 s
